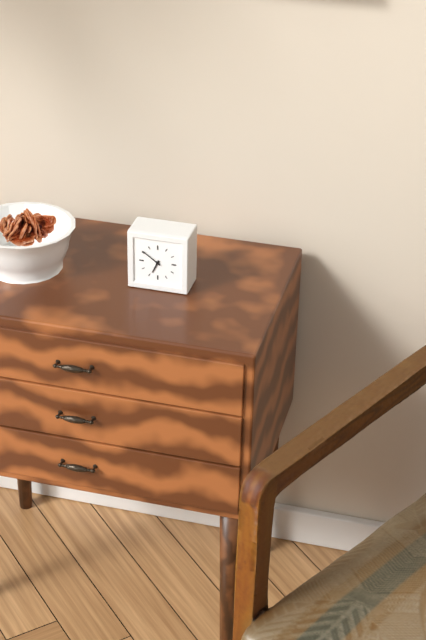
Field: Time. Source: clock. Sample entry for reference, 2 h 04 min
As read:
6 h 51 min
